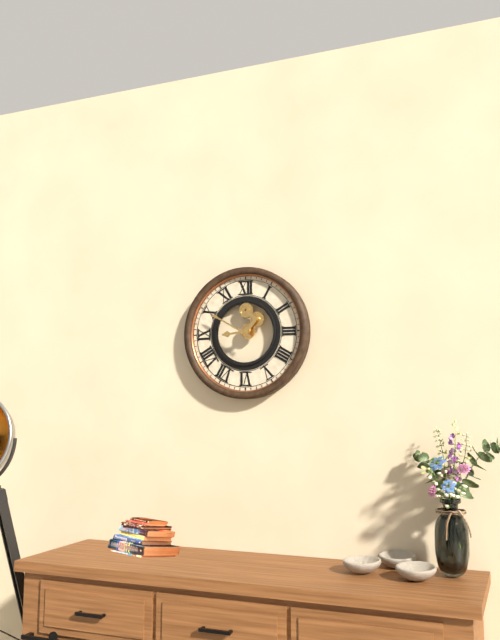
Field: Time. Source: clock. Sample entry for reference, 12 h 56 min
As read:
8 h 50 min
